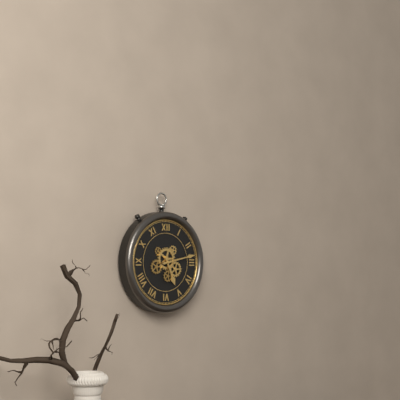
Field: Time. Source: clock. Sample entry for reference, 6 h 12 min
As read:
5 h 13 min
